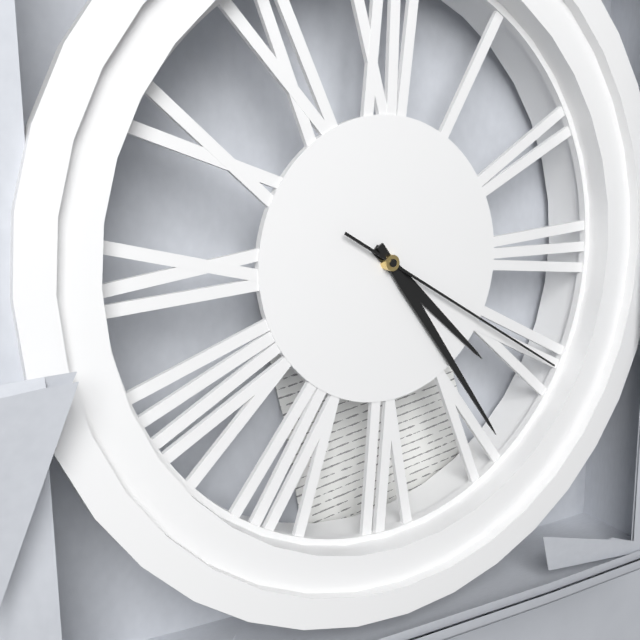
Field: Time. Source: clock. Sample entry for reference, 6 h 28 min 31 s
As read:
4 h 24 min 20 s
